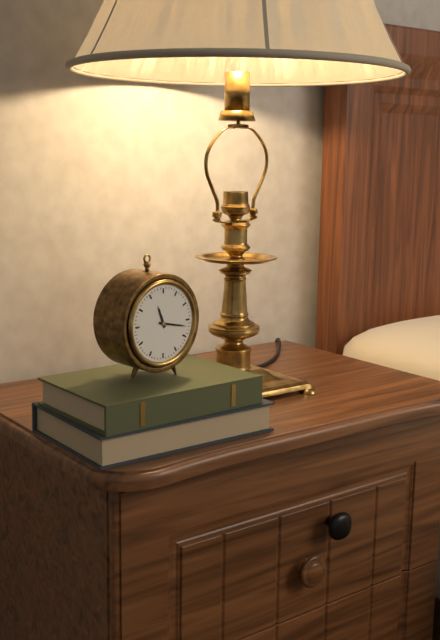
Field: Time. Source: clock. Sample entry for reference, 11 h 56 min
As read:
11 h 17 min
